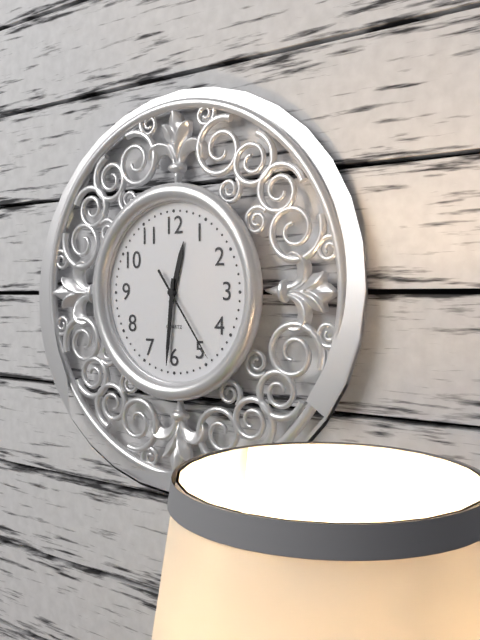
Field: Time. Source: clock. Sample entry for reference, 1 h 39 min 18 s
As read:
12 h 31 min 24 s
